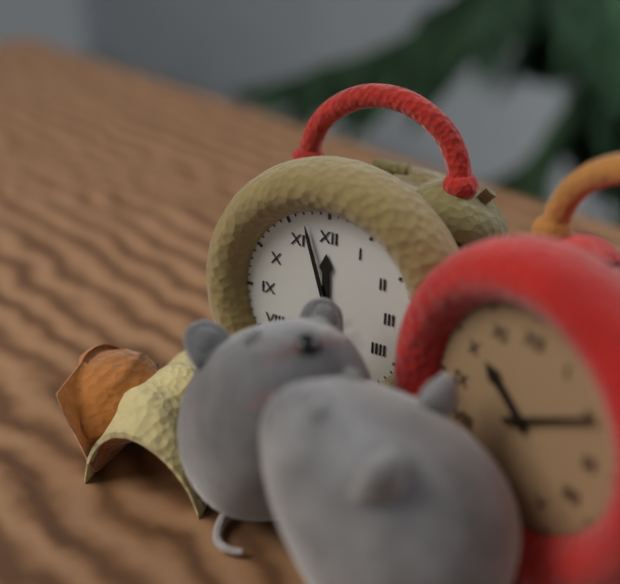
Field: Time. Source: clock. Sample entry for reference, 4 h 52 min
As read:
11 h 57 min
